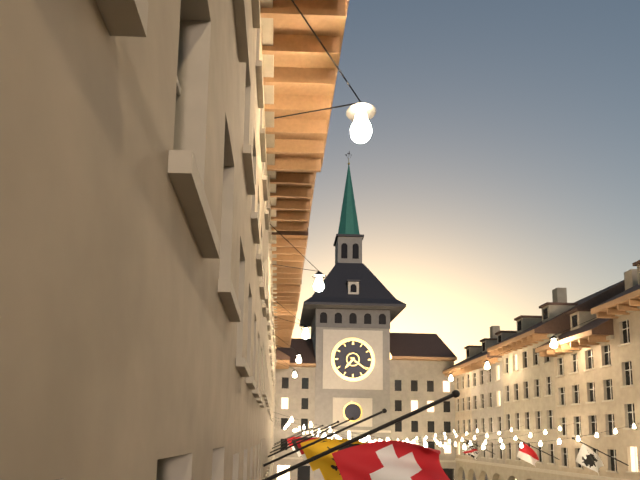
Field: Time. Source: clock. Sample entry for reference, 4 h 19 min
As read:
7 h 21 min
